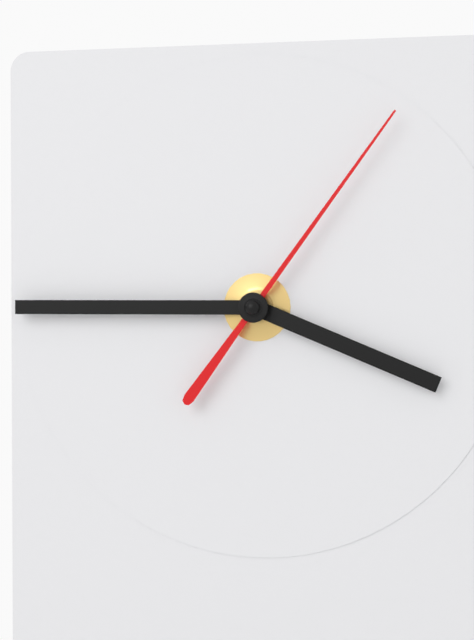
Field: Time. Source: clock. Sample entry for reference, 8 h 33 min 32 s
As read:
3 h 45 min 06 s
